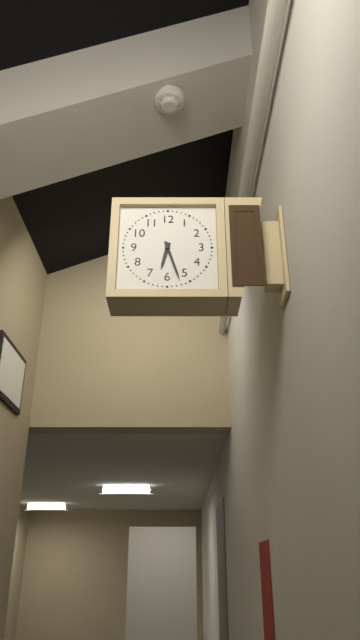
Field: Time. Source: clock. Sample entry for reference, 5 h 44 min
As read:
6 h 27 min
